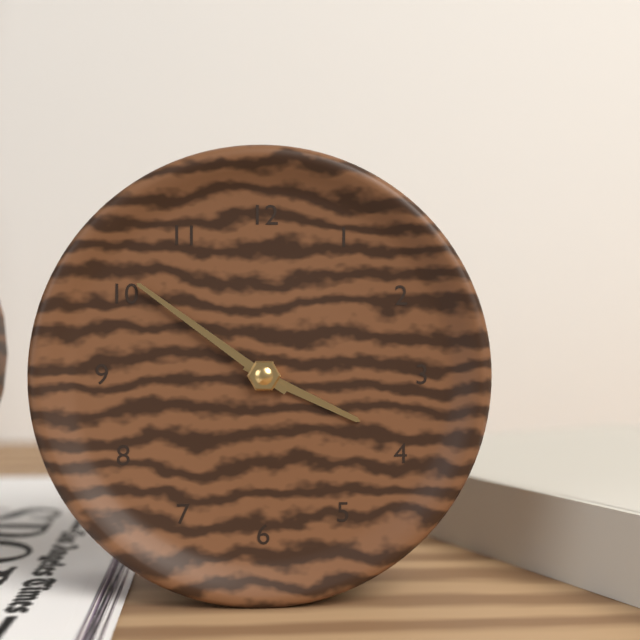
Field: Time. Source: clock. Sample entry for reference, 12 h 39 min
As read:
3 h 51 min
